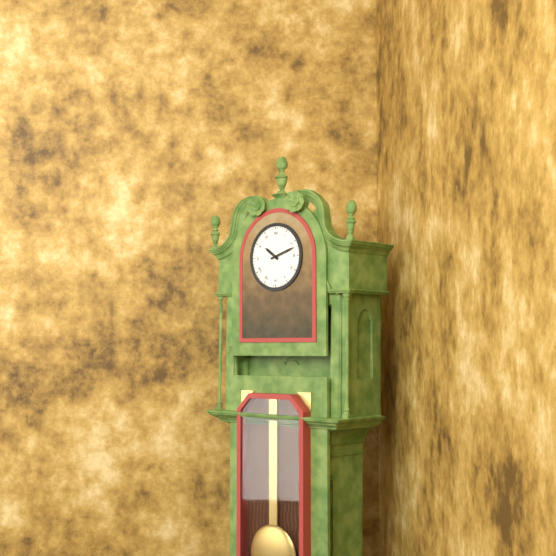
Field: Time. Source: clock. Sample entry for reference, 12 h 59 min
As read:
10 h 12 min
